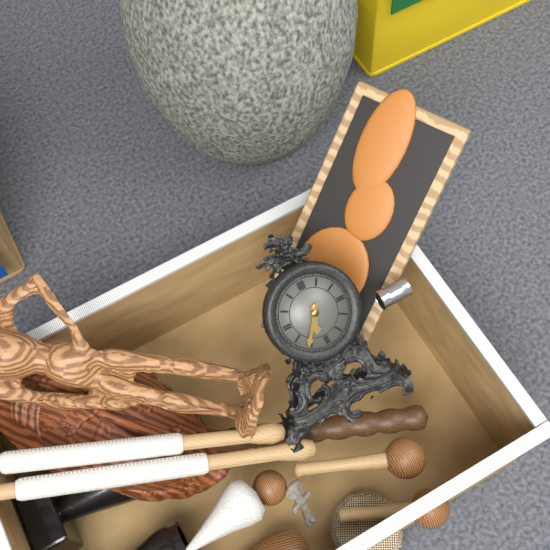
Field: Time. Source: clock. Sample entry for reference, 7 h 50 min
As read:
6 h 36 min
